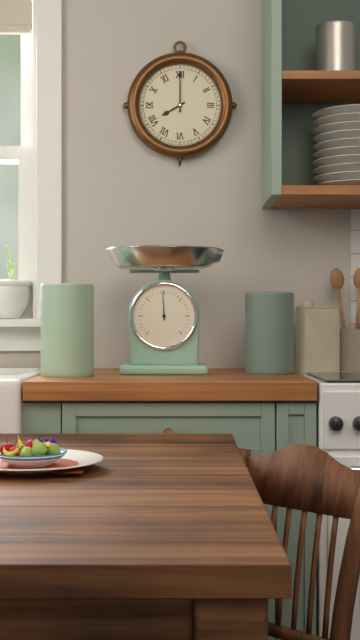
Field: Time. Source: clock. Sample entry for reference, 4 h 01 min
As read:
8 h 00 min
